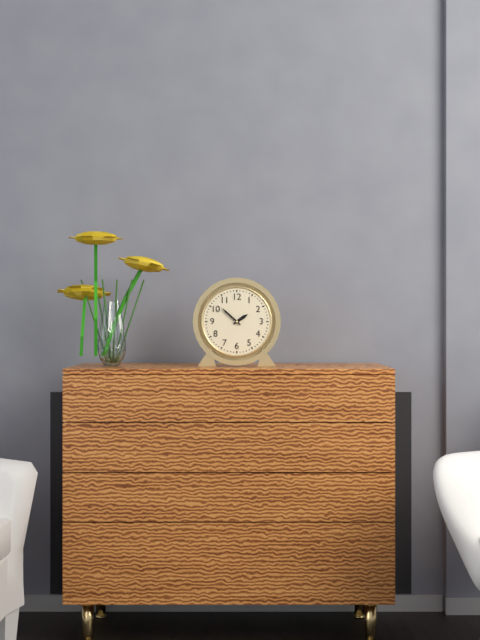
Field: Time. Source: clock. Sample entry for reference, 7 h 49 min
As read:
1 h 52 min
